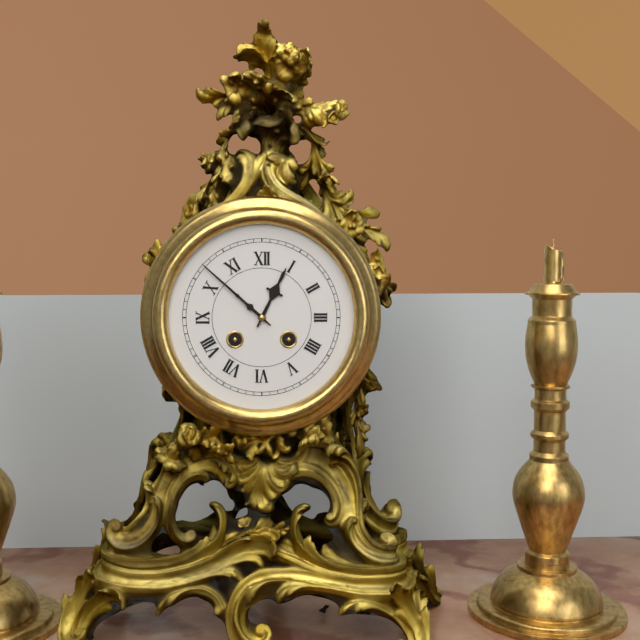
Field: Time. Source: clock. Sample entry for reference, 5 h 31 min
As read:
12 h 52 min
